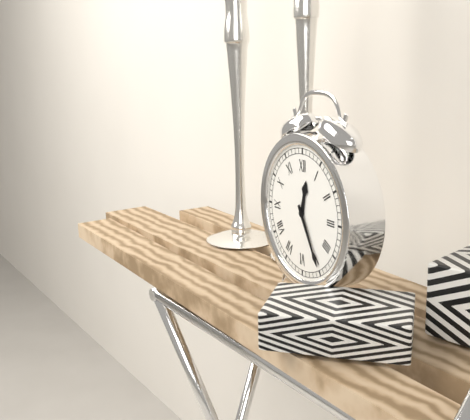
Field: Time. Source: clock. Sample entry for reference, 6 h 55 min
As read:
12 h 25 min
